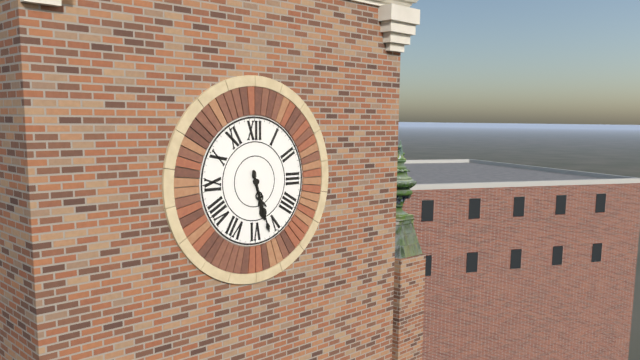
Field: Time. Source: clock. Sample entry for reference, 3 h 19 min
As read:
5 h 27 min
